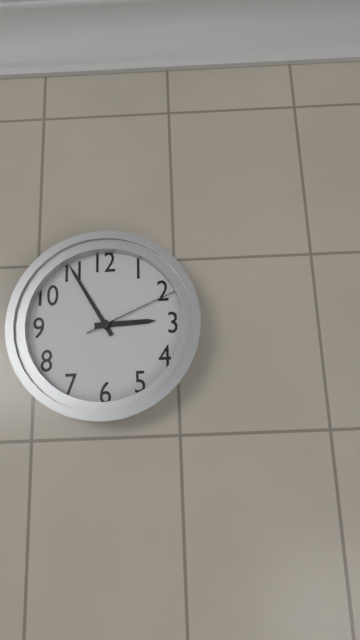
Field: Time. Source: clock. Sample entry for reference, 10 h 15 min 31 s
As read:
2 h 55 min 11 s
